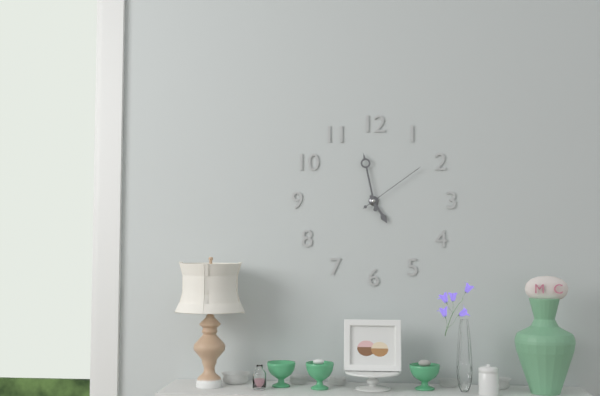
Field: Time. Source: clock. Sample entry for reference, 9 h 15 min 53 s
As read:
4 h 58 min 09 s
